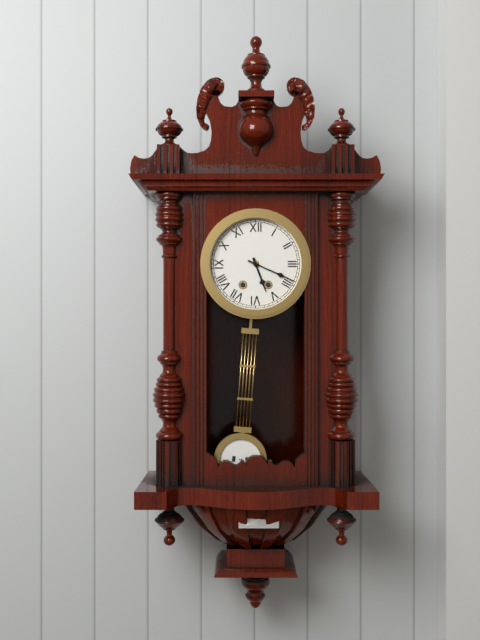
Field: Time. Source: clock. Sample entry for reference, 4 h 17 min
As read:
5 h 19 min
